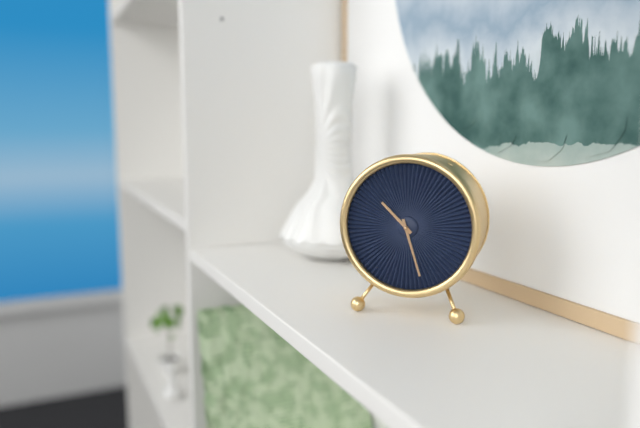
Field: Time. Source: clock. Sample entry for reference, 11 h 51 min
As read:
10 h 27 min
